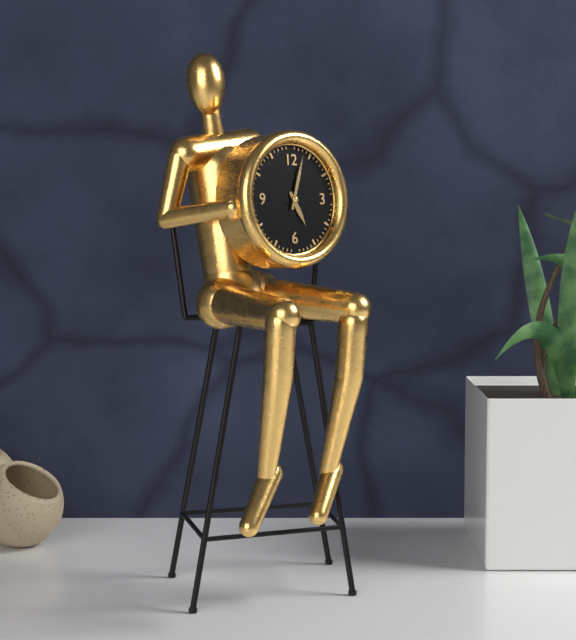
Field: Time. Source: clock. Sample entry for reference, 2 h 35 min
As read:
5 h 03 min
